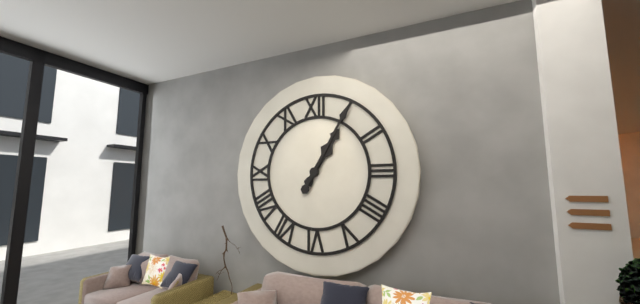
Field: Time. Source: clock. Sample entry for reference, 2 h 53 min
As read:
1 h 05 min
